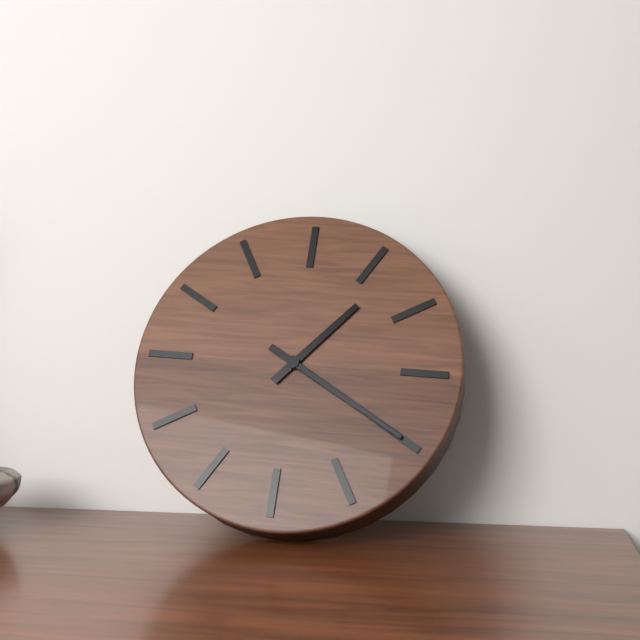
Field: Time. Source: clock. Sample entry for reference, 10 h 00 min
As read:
1 h 20 min
